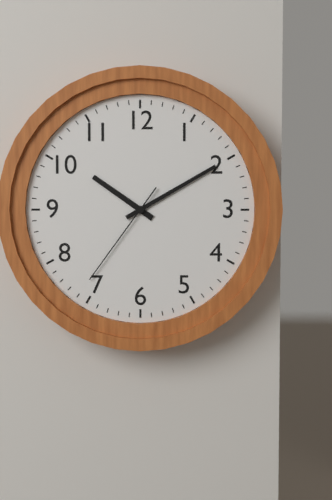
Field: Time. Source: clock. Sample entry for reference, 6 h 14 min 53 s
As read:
10 h 10 min 36 s
